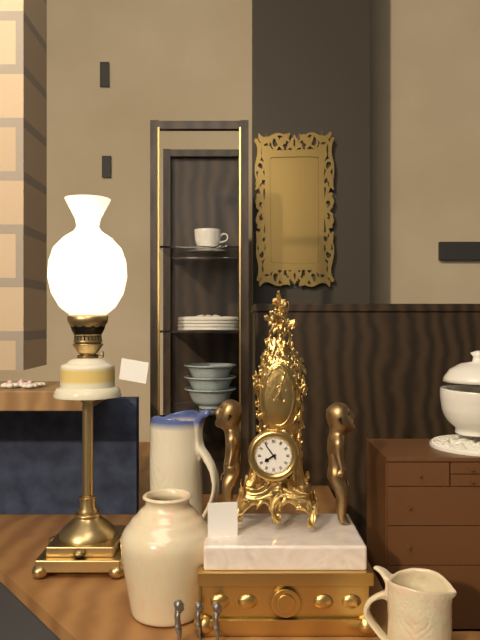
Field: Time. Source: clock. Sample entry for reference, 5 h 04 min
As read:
7 h 54 min
